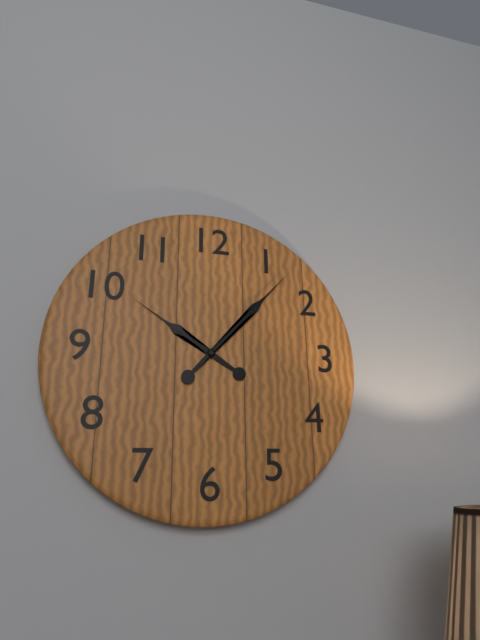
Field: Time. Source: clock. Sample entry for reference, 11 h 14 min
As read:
10 h 07 min
